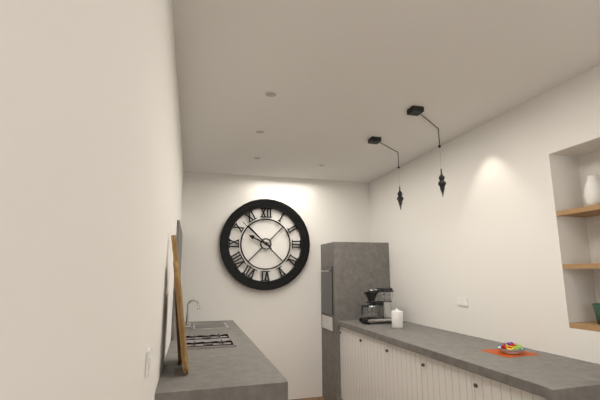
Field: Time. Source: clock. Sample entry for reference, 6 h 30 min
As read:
9 h 52 min
